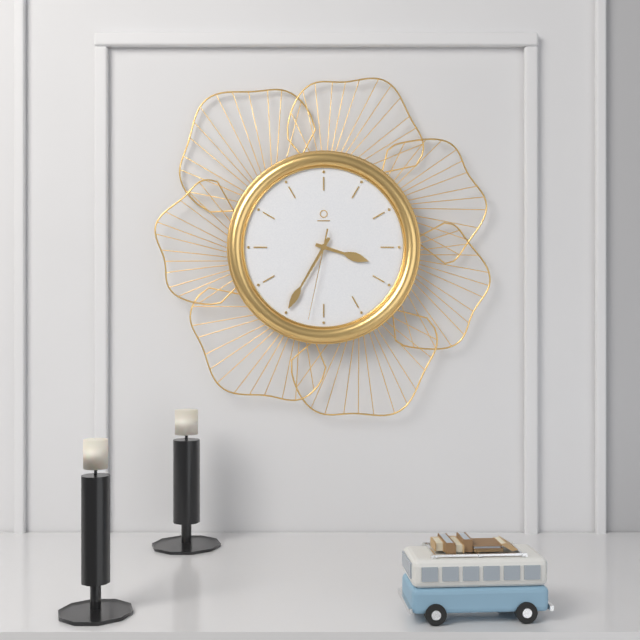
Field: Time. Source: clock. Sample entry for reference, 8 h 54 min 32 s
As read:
3 h 35 min 32 s
